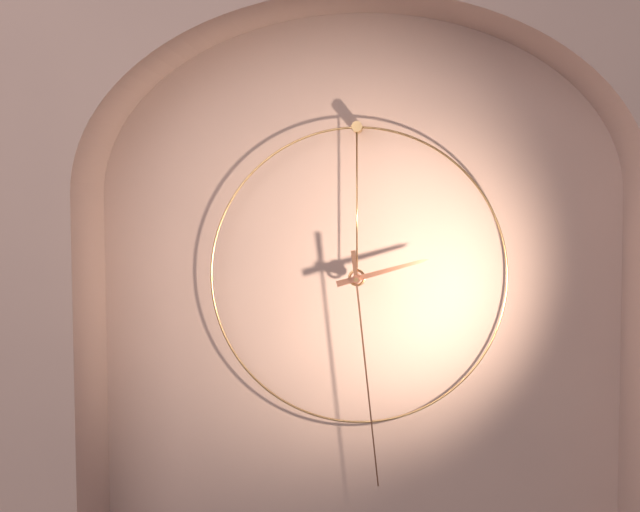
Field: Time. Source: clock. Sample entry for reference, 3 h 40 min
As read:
2 h 29 min
